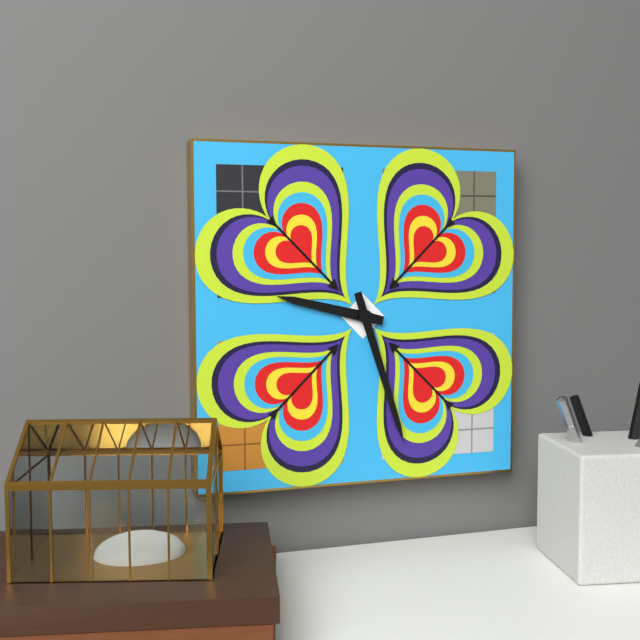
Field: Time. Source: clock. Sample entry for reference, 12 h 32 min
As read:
9 h 27 min
